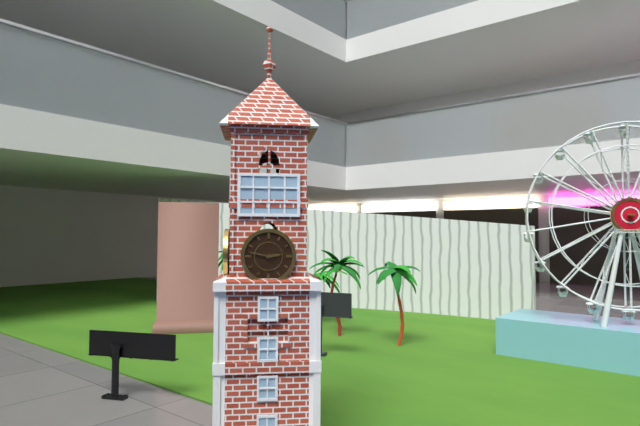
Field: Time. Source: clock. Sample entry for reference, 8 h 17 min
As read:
2 h 47 min
